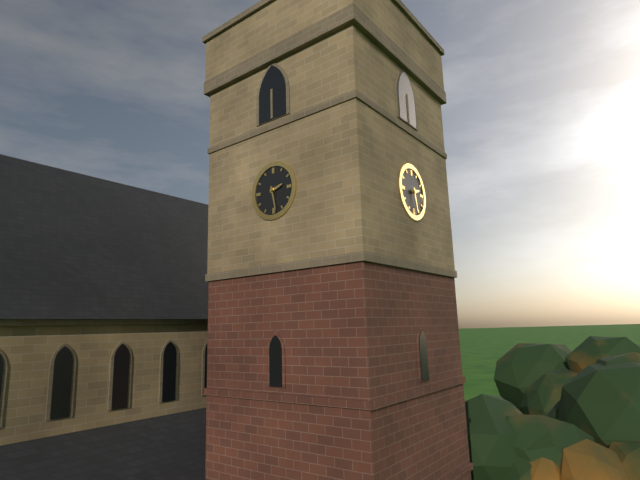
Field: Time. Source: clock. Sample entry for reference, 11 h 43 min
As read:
2 h 28 min
